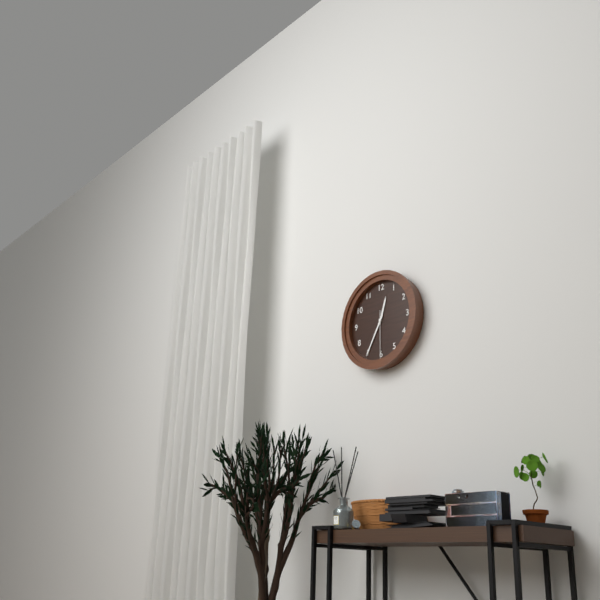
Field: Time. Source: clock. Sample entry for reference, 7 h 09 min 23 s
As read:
12 h 35 min 30 s
